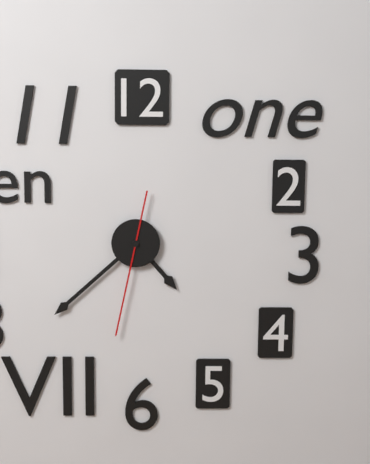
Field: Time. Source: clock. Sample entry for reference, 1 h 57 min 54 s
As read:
4 h 38 min 32 s
